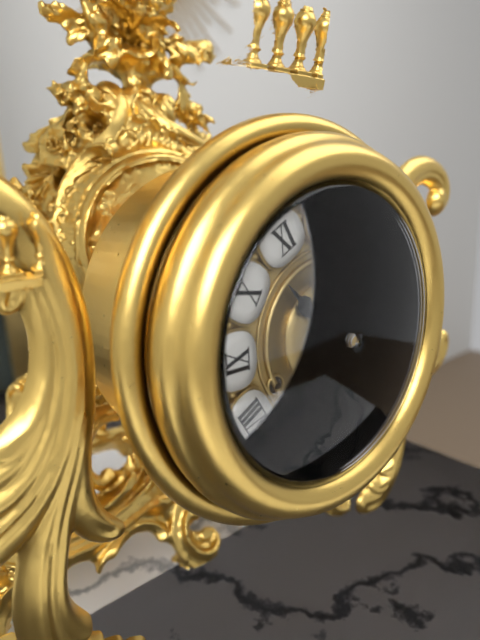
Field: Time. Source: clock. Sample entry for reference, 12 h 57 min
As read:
10 h 33 min
